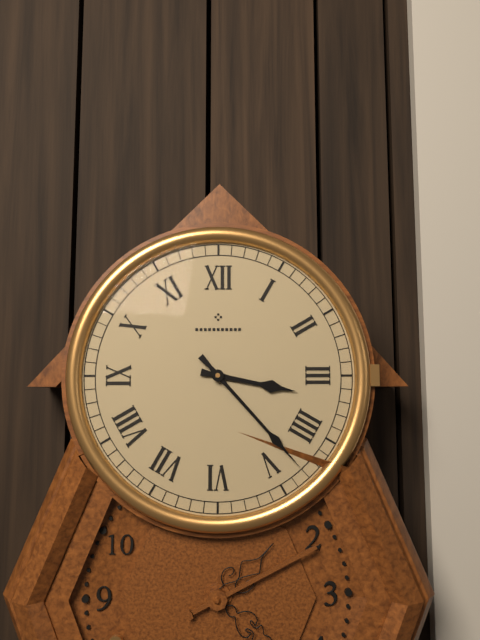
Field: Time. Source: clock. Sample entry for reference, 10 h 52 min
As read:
3 h 23 min
